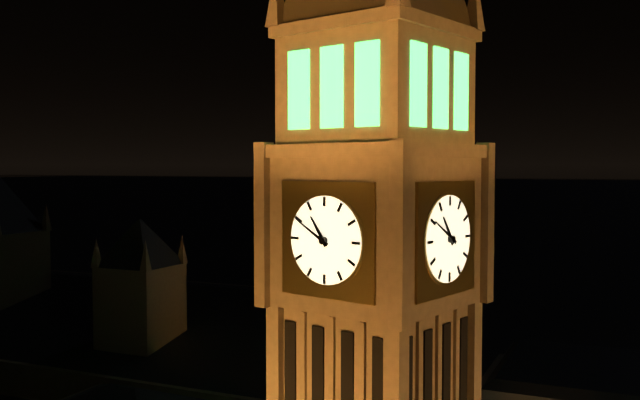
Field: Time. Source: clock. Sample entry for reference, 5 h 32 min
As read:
10 h 50 min
